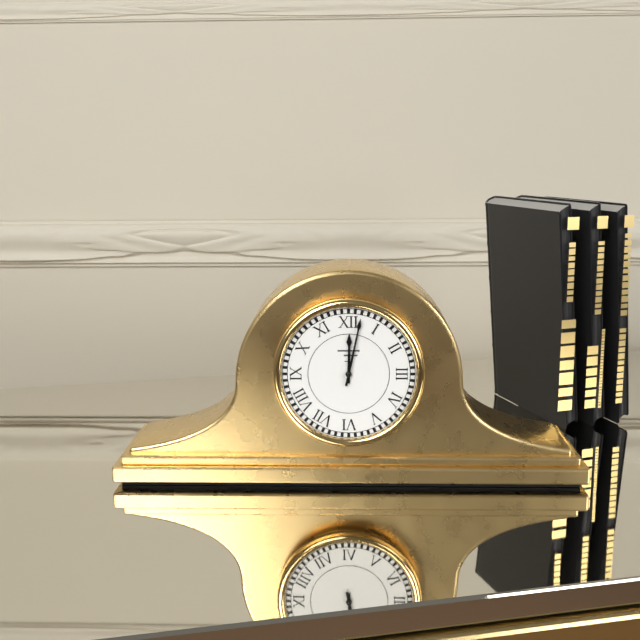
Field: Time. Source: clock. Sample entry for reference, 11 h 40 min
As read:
12 h 02 min
